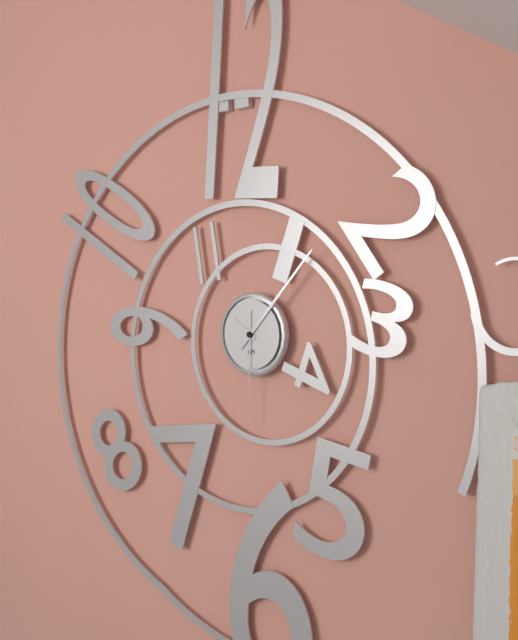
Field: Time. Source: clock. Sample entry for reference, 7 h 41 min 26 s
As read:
10 h 07 min 30 s
